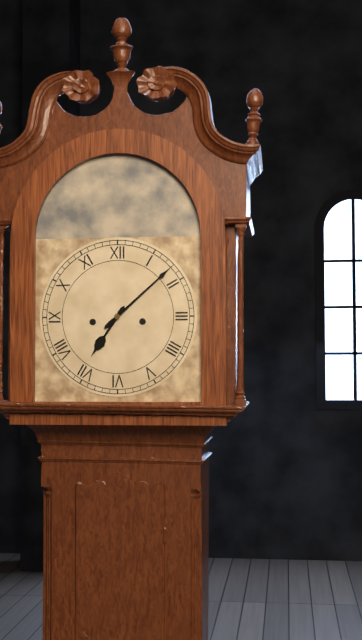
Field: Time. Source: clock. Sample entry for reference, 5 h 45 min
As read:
7 h 08 min
